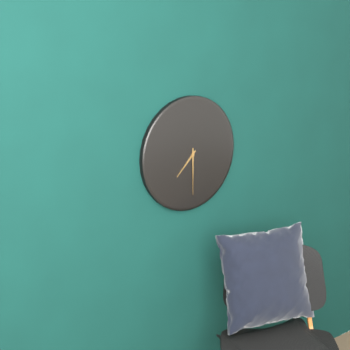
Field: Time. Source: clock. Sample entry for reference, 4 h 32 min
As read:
7 h 30 min
